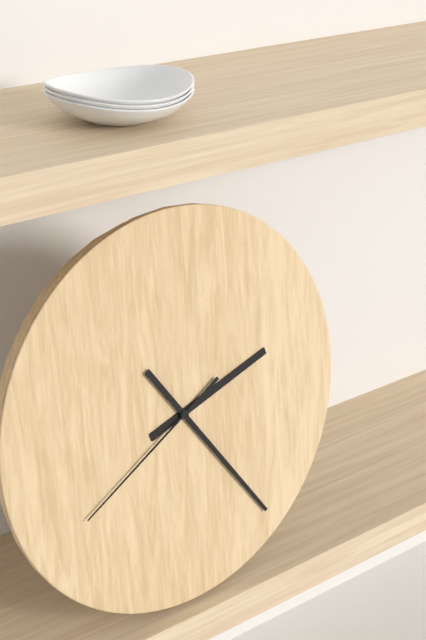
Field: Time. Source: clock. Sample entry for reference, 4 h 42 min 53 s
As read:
2 h 24 min 40 s
